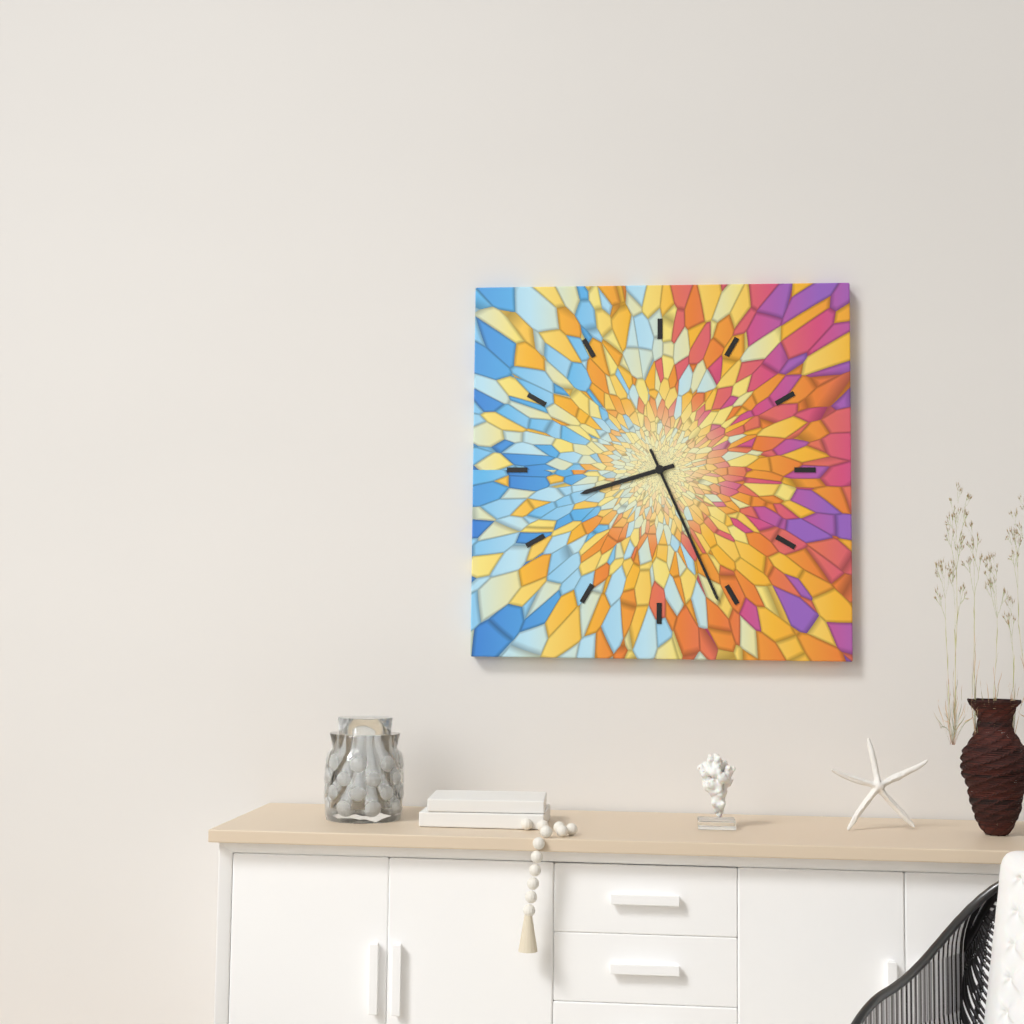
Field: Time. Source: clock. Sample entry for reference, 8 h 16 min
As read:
8 h 26 min
